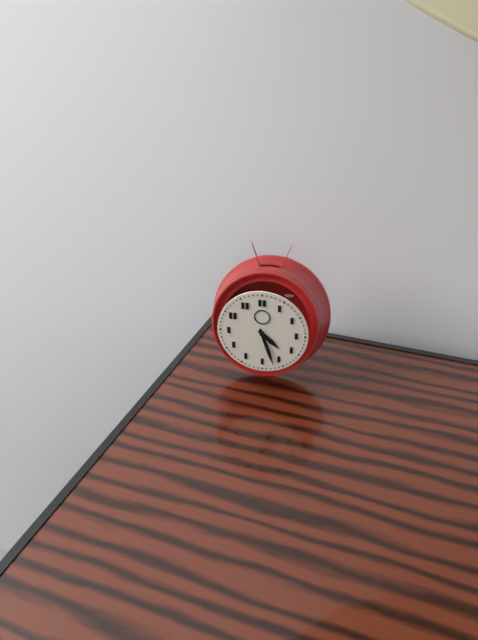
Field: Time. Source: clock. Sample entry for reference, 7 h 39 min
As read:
4 h 27 min
